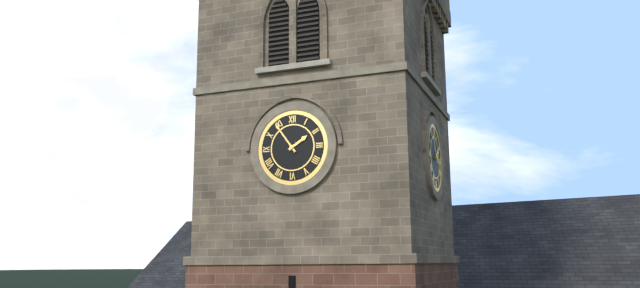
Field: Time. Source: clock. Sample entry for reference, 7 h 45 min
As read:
1 h 54 min
